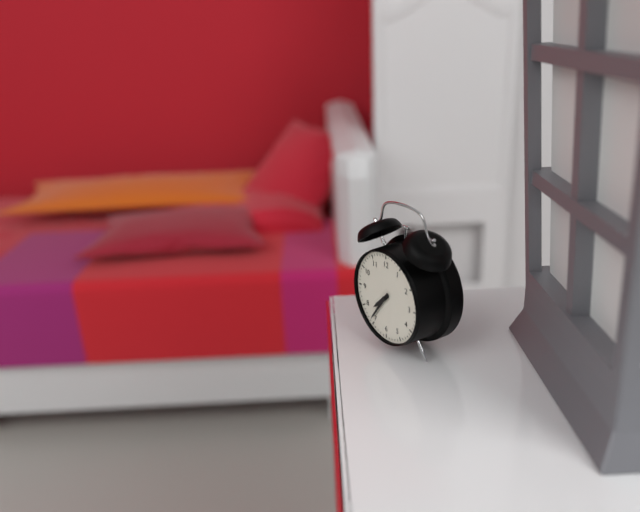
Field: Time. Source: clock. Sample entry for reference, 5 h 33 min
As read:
7 h 36 min
